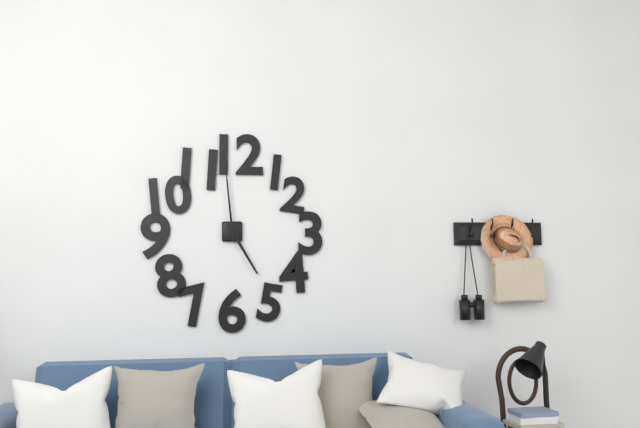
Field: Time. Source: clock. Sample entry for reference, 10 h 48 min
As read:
4 h 59 min
